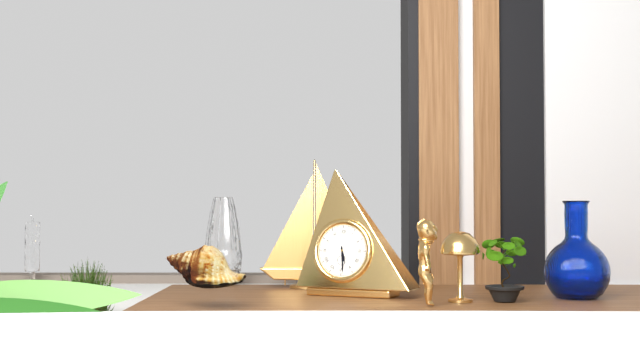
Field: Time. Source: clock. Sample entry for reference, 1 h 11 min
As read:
5 h 29 min
